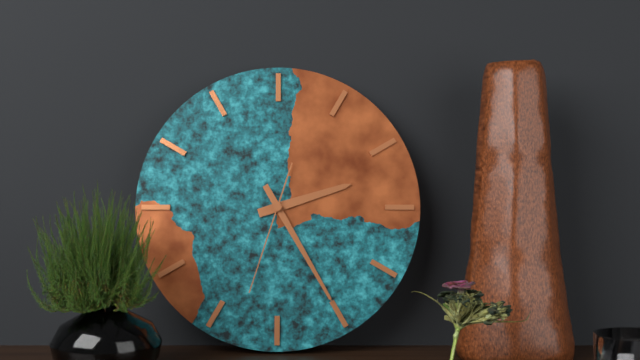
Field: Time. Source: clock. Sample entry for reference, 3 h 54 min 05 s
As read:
2 h 25 min 33 s
